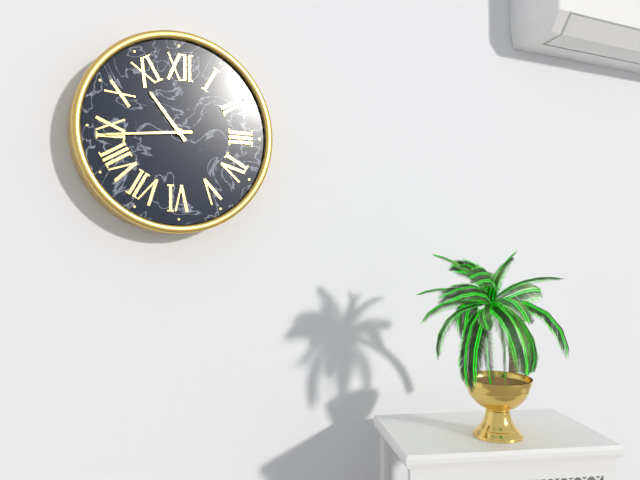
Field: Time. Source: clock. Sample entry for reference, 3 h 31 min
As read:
10 h 44 min
